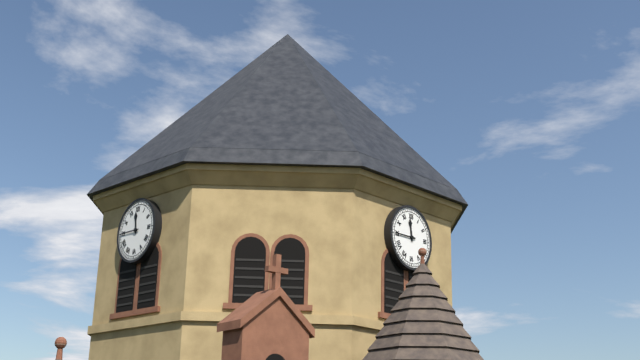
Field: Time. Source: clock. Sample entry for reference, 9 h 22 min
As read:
11 h 45 min
